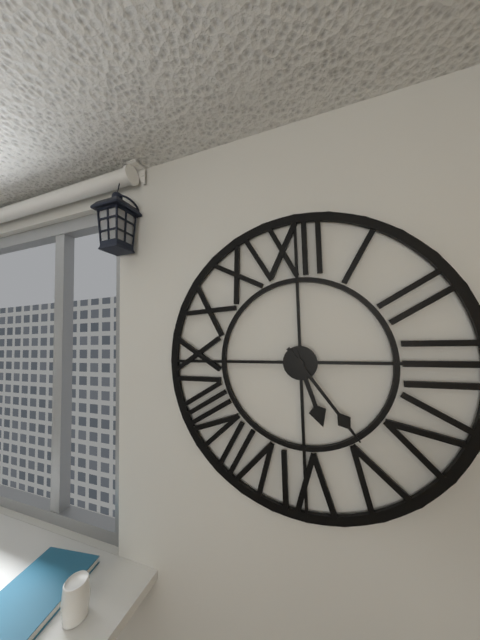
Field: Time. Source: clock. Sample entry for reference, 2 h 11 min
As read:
5 h 24 min
